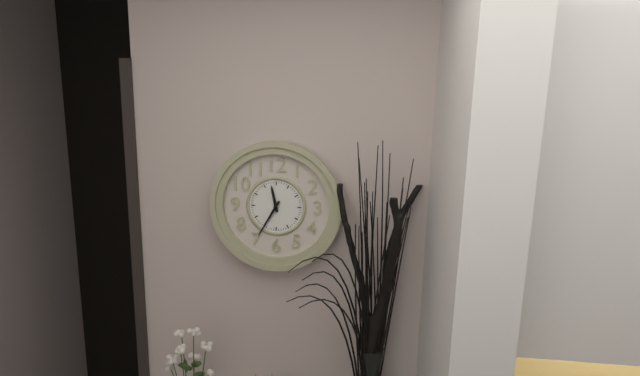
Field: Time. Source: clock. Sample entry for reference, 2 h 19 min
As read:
11 h 35 min
